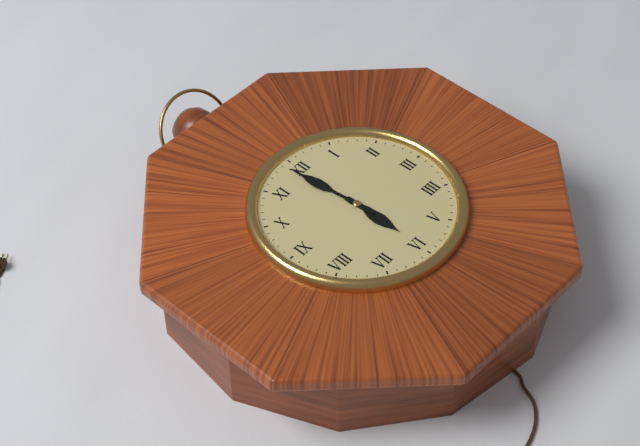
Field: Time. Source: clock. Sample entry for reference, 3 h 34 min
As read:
5 h 59 min
